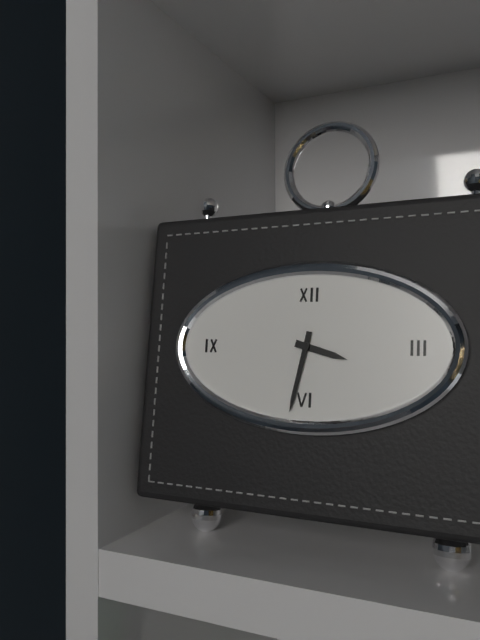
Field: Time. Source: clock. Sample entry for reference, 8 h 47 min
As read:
3 h 32 min
